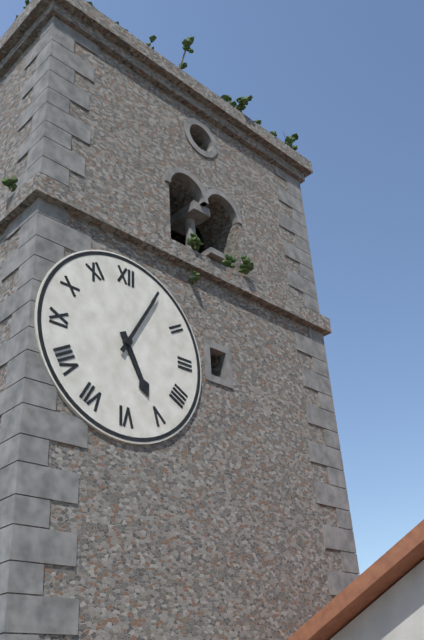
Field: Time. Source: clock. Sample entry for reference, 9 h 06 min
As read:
5 h 05 min
